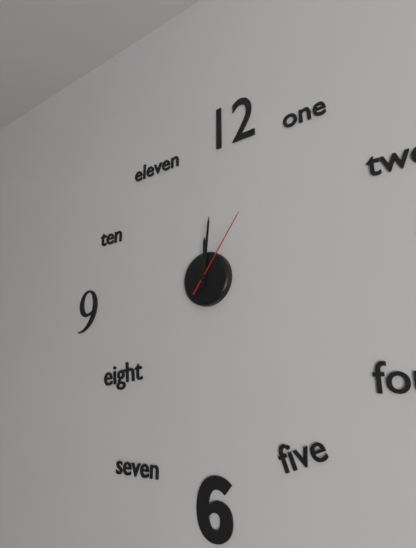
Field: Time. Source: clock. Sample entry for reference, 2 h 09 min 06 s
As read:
12 h 01 min 06 s
